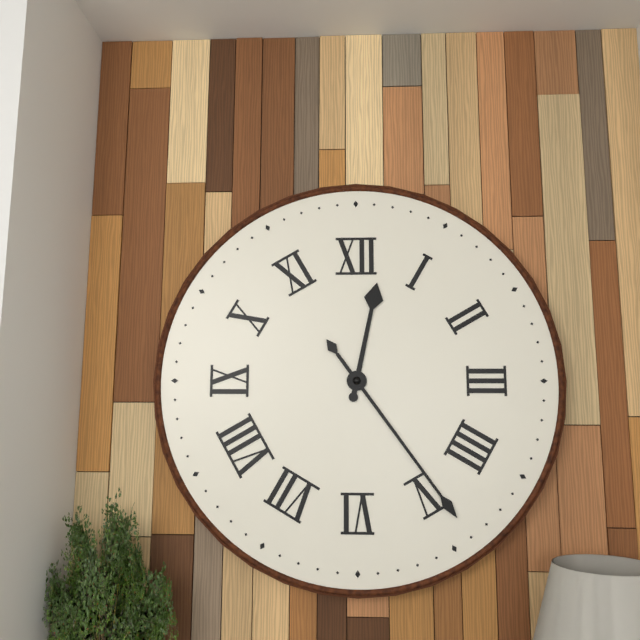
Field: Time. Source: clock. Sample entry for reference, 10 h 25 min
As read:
12 h 24 min
